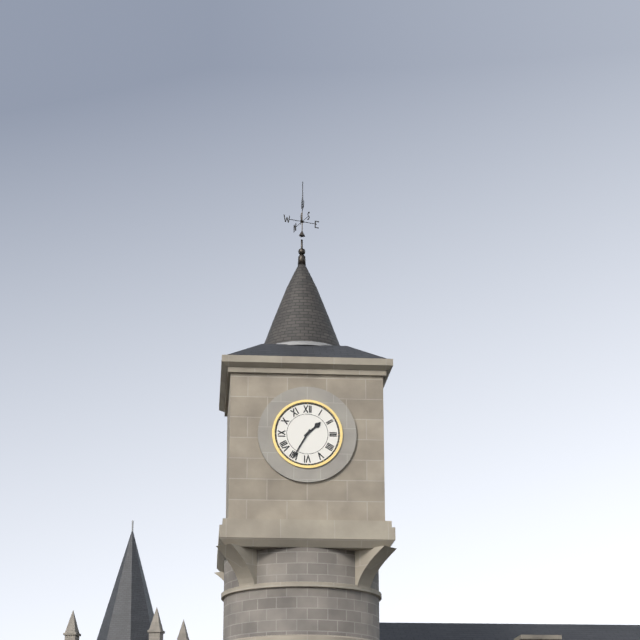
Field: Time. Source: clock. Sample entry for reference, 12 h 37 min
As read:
1 h 35 min
